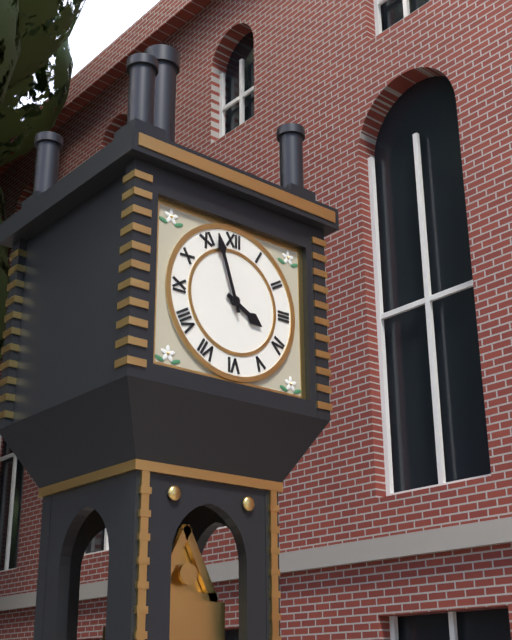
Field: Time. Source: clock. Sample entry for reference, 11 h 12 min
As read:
3 h 57 min
